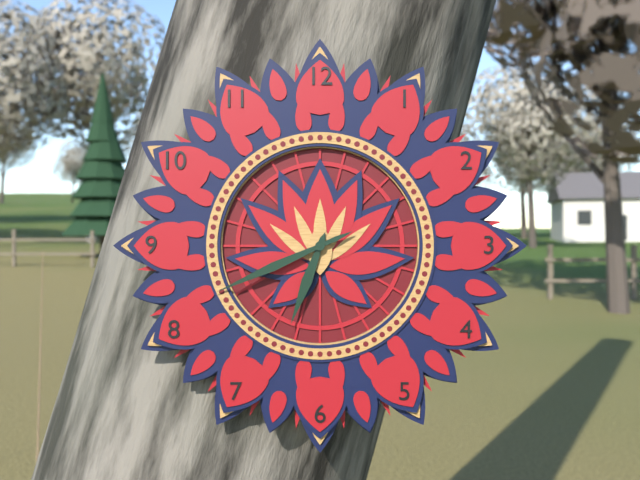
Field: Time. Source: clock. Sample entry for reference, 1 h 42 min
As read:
6 h 41 min
